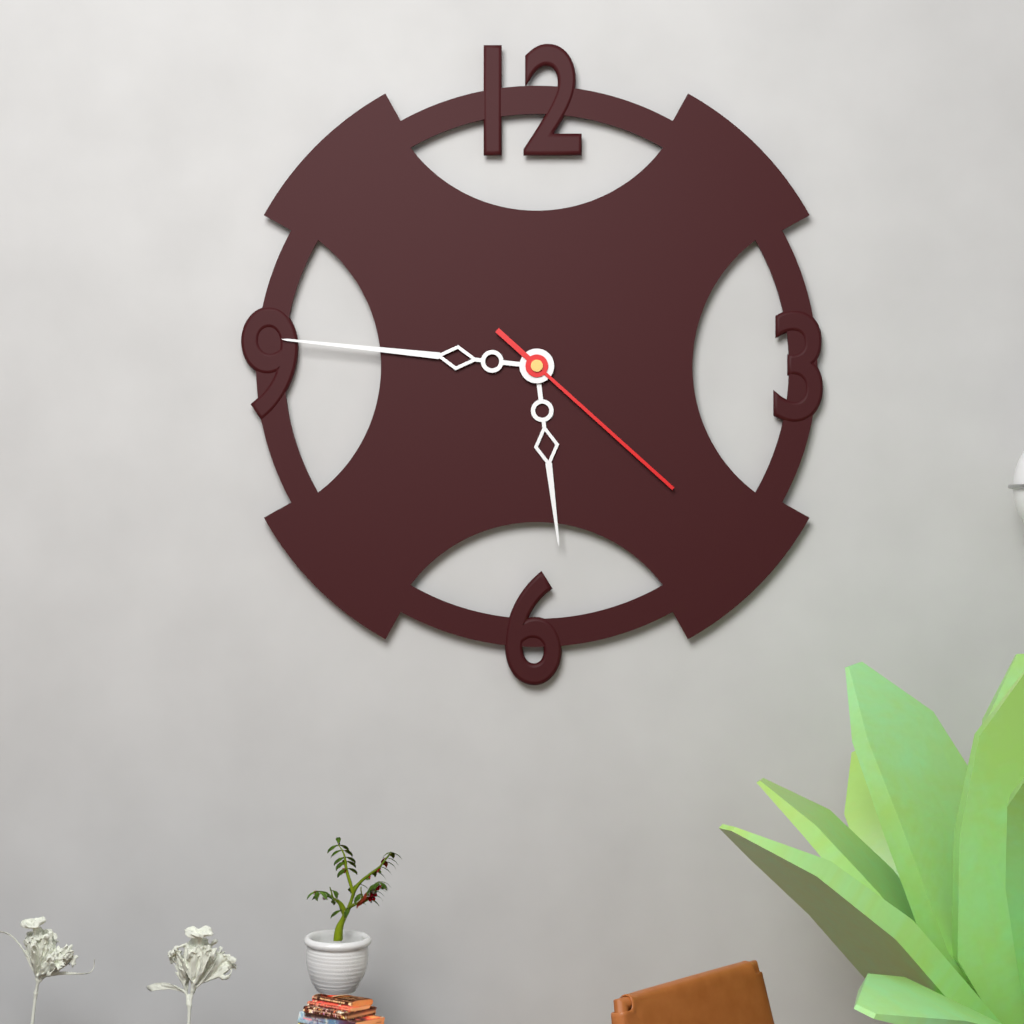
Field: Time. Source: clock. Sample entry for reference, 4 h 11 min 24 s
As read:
5 h 46 min 22 s
